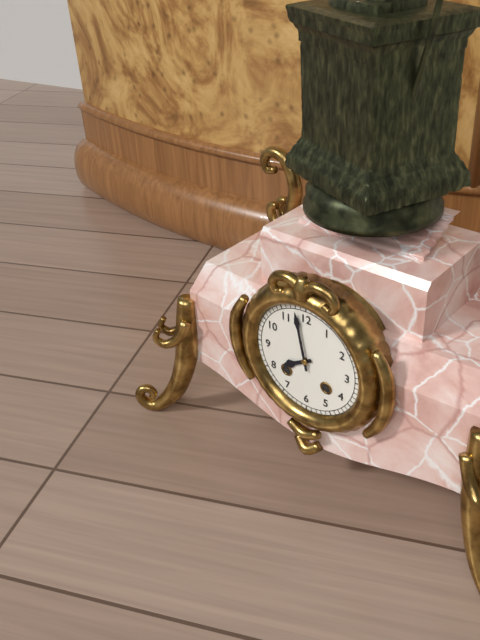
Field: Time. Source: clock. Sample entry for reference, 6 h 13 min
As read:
7 h 58 min
